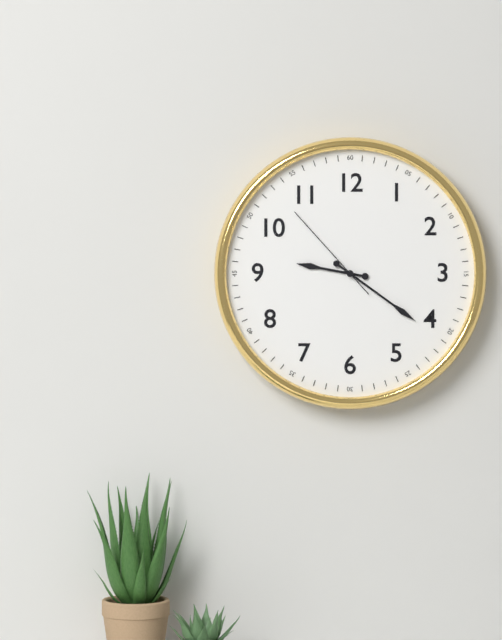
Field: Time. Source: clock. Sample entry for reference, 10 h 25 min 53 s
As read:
9 h 21 min 53 s
